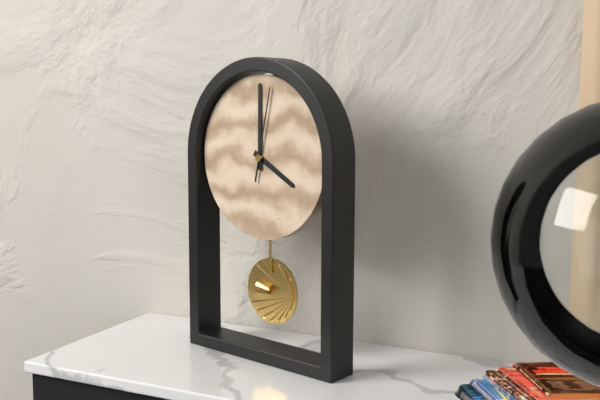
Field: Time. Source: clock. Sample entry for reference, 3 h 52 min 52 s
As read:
4 h 00 min 02 s
